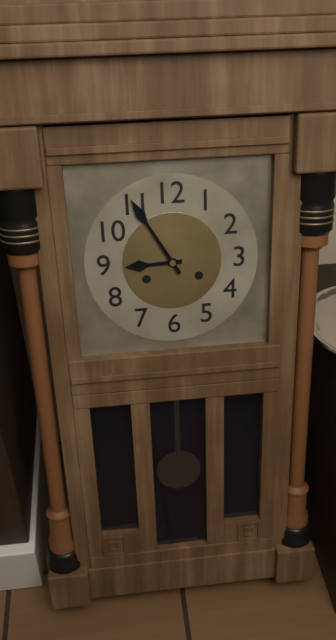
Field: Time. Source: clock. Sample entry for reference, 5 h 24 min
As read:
8 h 55 min
